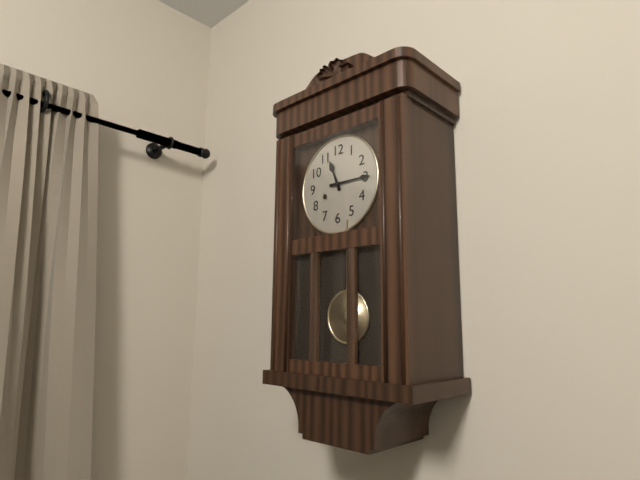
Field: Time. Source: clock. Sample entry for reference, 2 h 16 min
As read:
11 h 15 min
